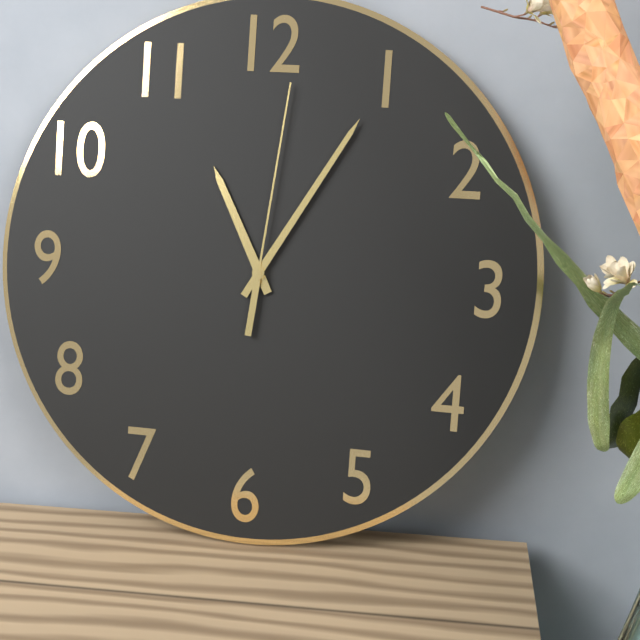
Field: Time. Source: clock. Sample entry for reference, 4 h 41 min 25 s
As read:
11 h 05 min 01 s
